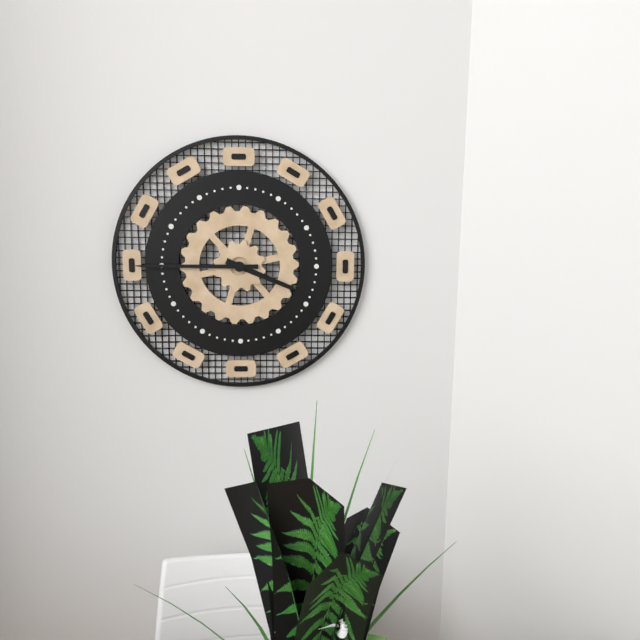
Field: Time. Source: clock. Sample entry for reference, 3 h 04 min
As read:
3 h 45 min
